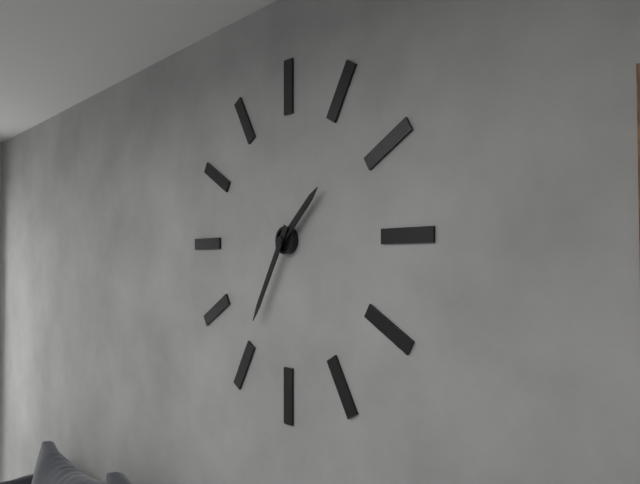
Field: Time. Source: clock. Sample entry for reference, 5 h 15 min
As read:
1 h 35 min
